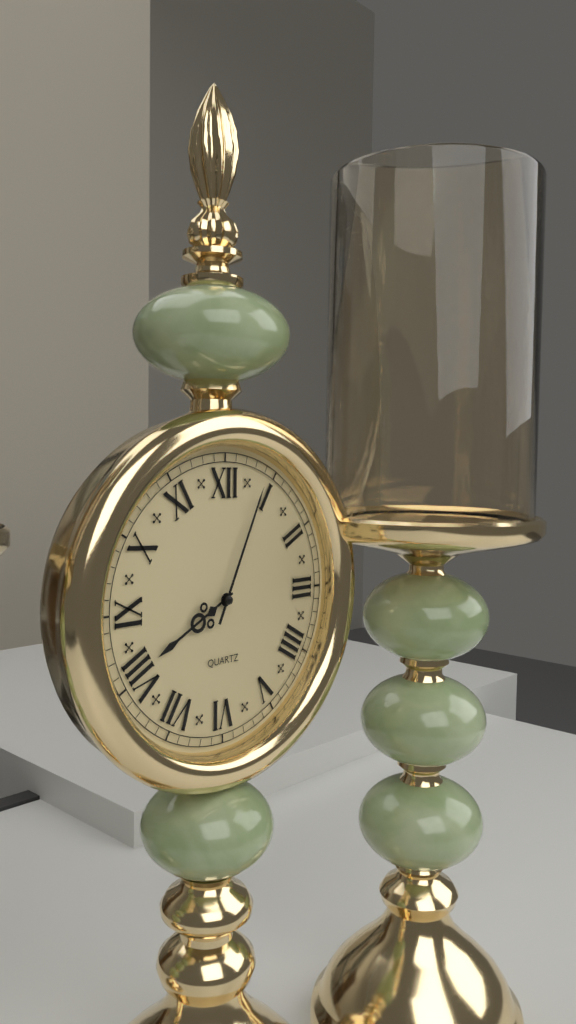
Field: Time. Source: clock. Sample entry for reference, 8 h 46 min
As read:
8 h 04 min
